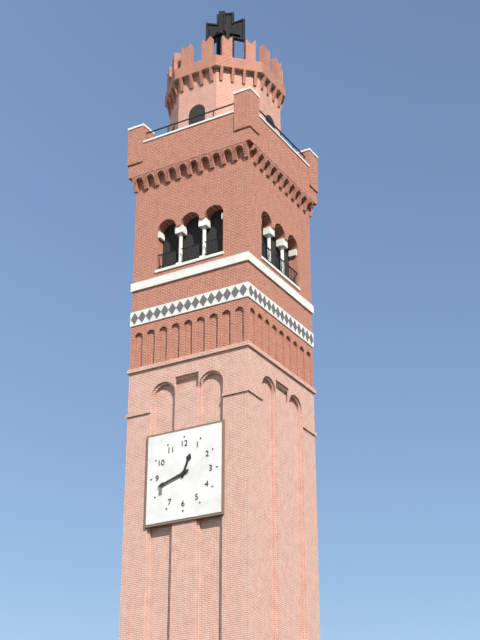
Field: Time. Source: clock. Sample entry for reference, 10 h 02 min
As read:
12 h 42 min
